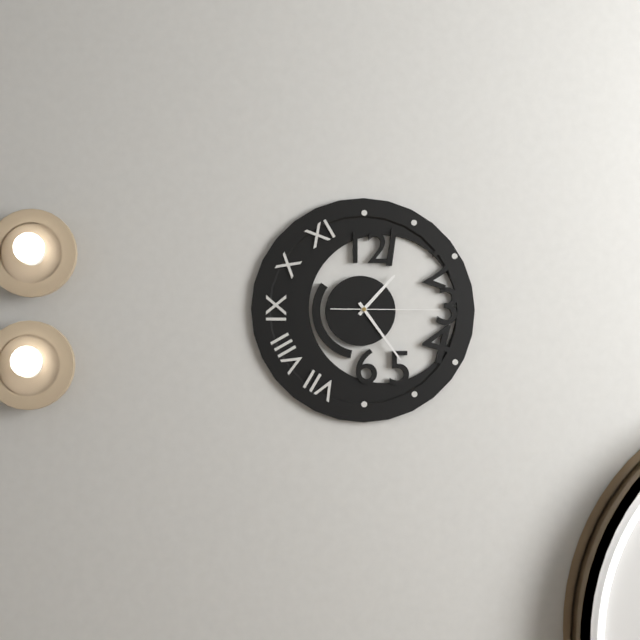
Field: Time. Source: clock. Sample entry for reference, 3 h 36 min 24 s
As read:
1 h 24 min 15 s
